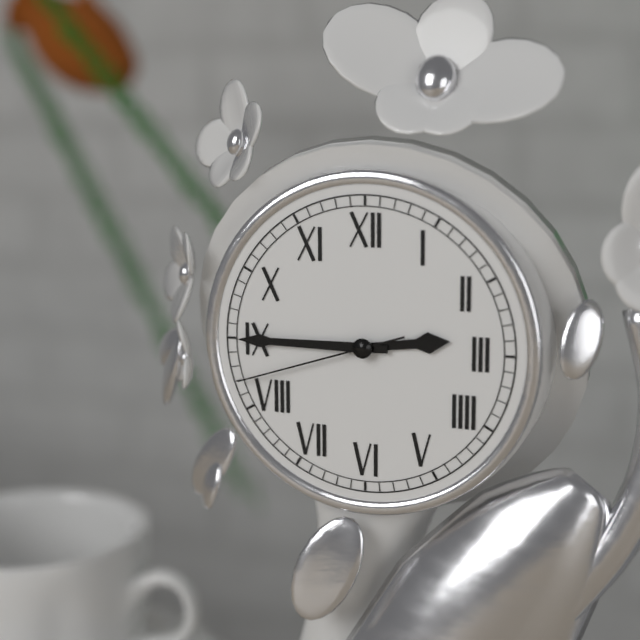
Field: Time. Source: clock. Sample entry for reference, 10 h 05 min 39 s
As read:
2 h 45 min 42 s
